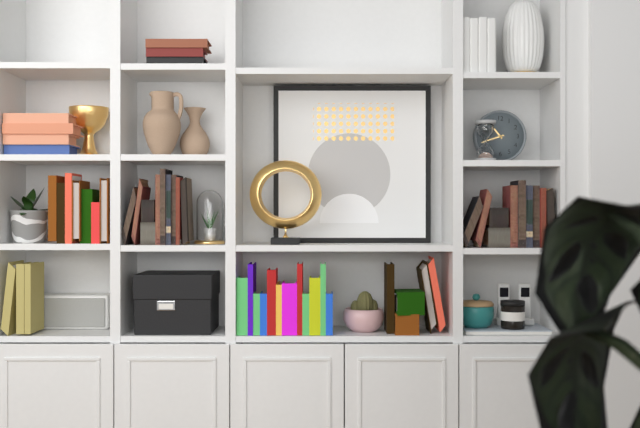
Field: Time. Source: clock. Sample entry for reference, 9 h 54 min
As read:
10 h 42 min
